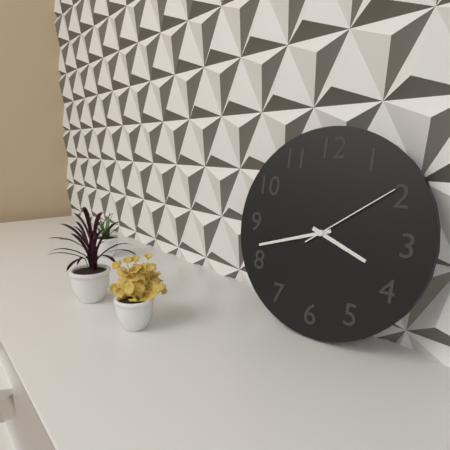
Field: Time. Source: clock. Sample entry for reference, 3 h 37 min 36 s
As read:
3 h 42 min 09 s
